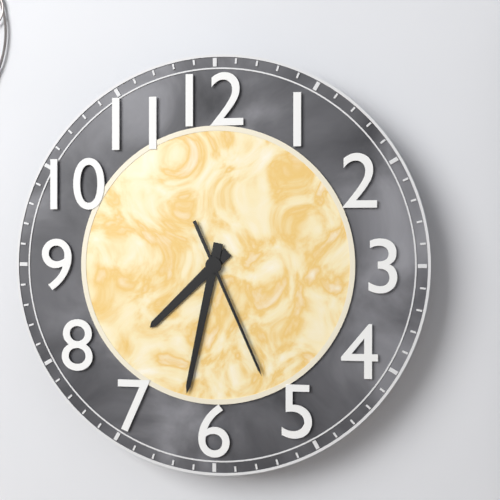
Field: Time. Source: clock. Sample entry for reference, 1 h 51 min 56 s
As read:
7 h 32 min 26 s
